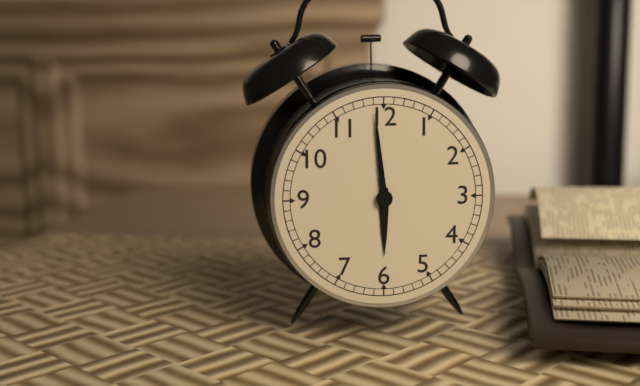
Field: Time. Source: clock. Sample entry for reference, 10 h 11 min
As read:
5 h 59 min
